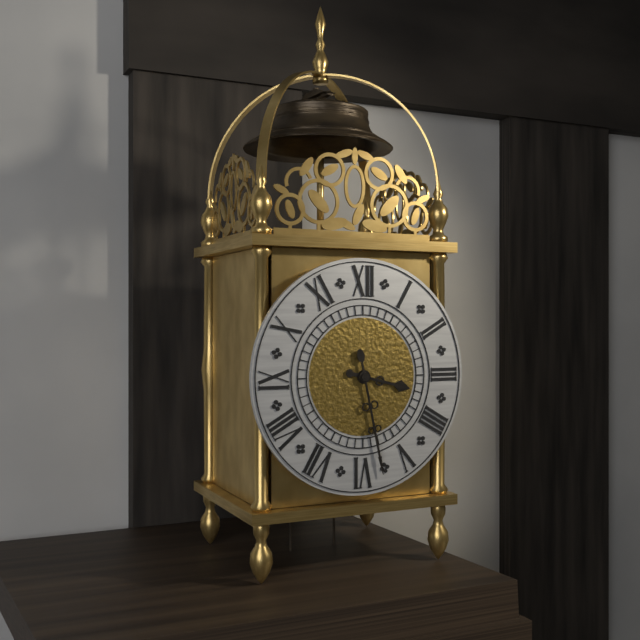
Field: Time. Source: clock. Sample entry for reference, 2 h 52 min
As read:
3 h 28 min
